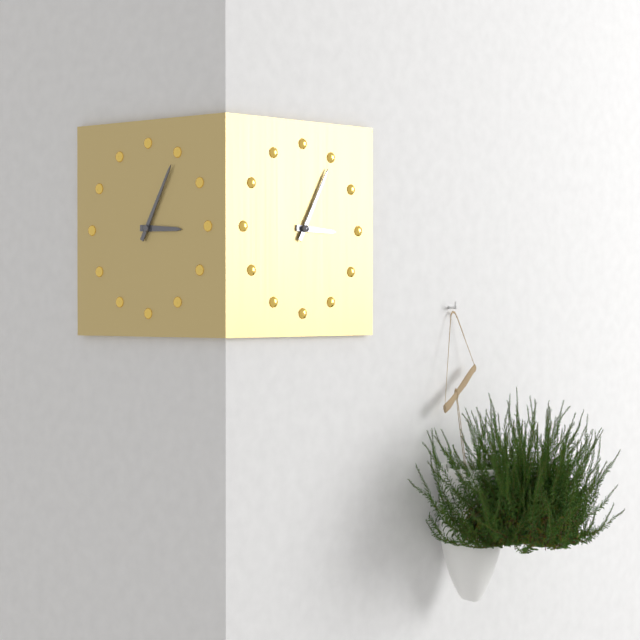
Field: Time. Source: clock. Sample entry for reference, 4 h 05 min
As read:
3 h 05 min
